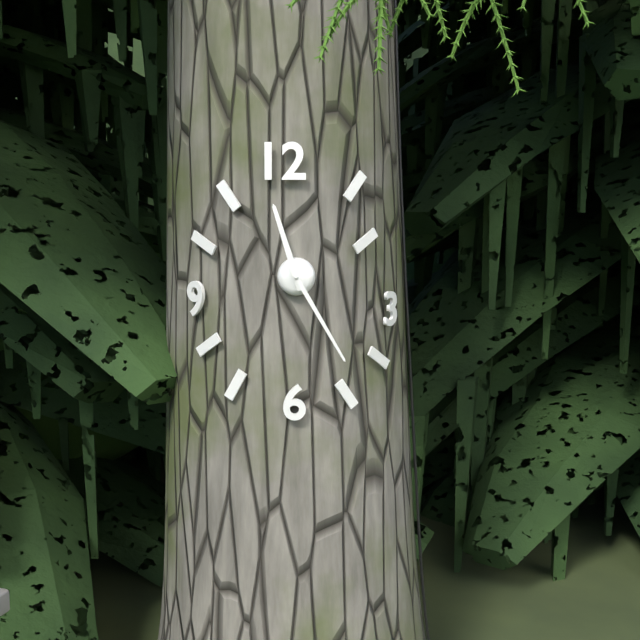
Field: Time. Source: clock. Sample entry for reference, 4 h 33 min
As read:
11 h 25 min
